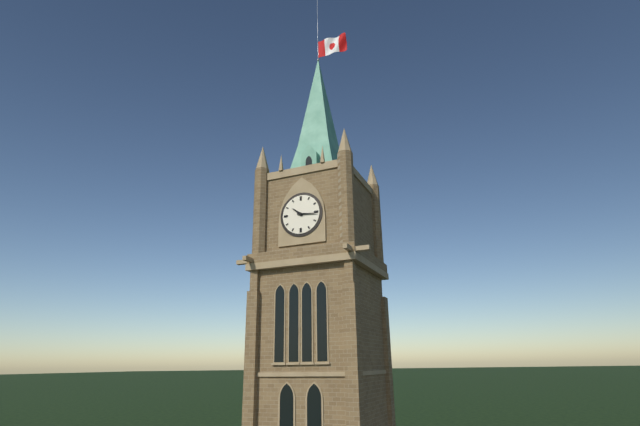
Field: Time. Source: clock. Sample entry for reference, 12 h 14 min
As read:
10 h 16 min
